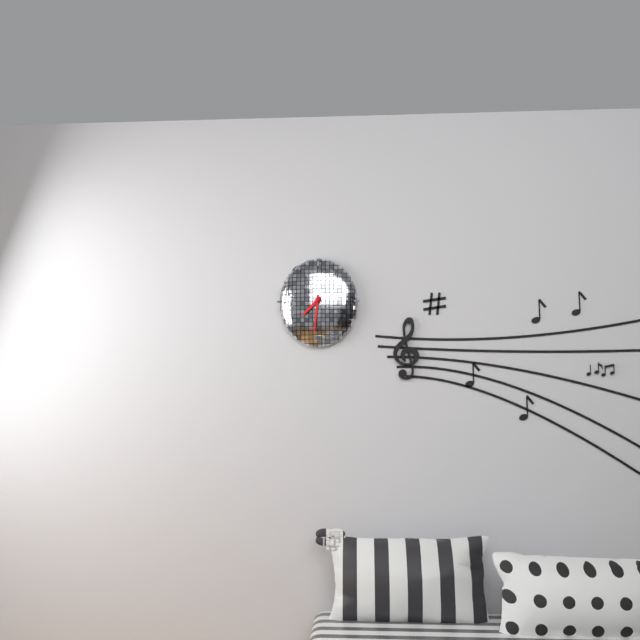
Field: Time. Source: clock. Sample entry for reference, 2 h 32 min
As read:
7 h 31 min
